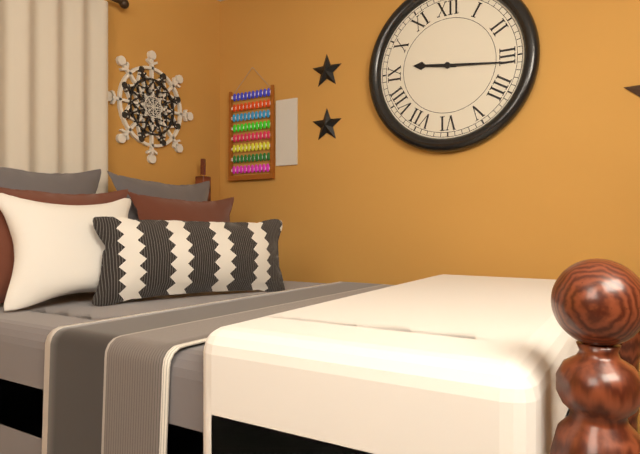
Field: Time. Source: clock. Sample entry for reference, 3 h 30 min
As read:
9 h 16 min
